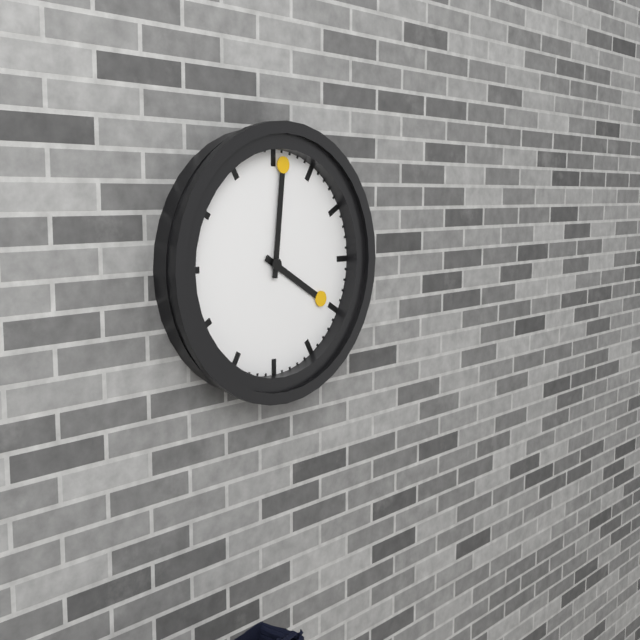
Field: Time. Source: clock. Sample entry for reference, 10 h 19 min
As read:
4 h 01 min
